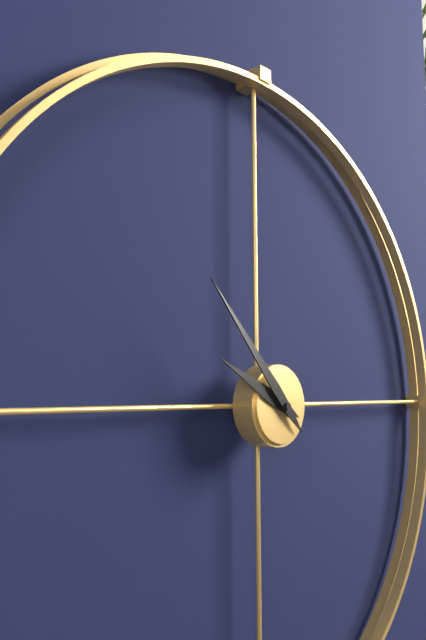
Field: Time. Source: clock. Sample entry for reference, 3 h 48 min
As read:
9 h 53 min
